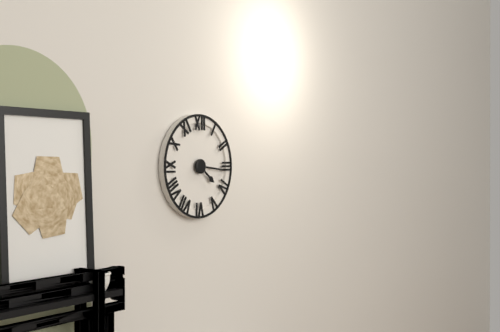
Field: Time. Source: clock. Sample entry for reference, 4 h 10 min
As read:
4 h 16 min
